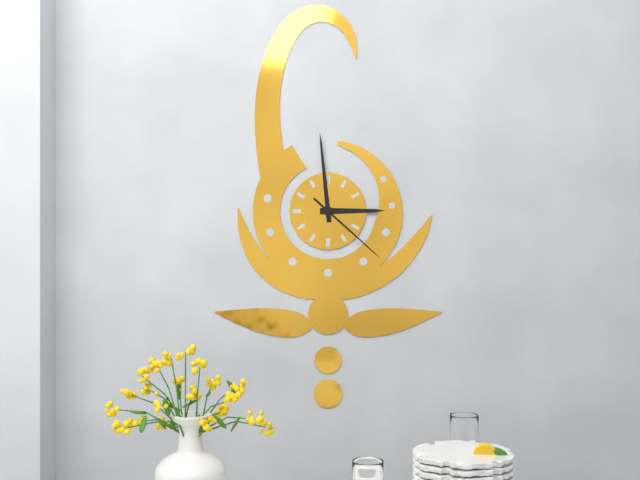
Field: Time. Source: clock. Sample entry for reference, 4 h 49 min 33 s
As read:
2 h 59 min 22 s
